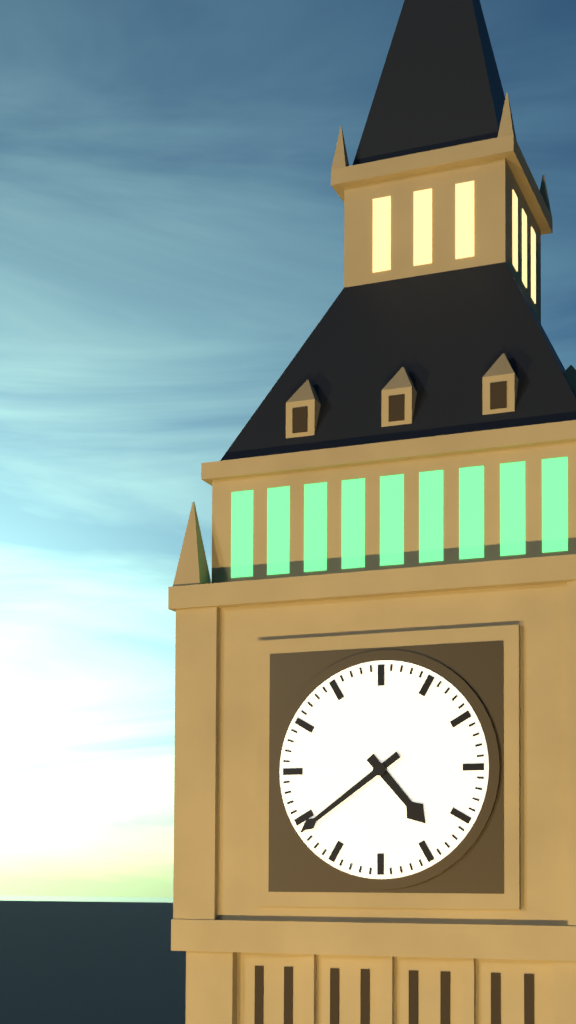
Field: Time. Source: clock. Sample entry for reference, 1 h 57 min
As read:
4 h 39 min
